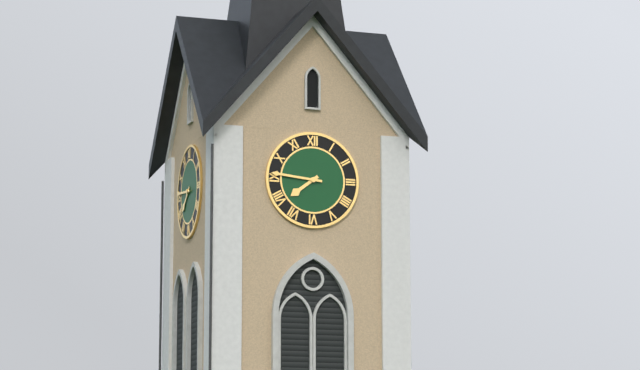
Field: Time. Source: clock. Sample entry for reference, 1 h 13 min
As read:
7 h 46 min
